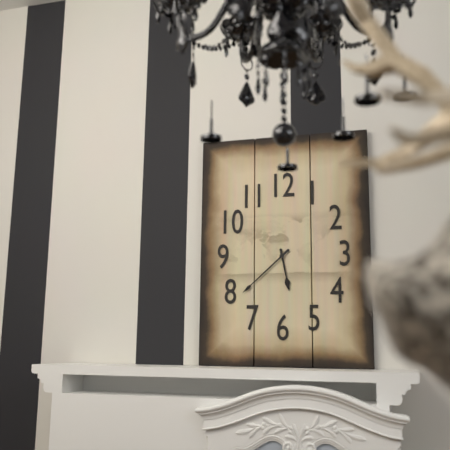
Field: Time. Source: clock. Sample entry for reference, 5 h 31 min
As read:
5 h 38 min
